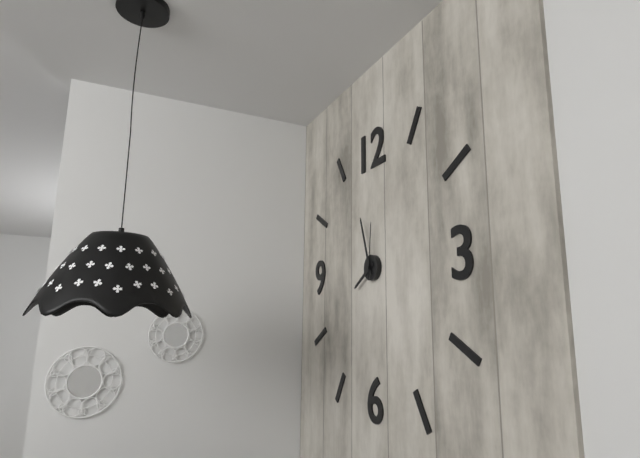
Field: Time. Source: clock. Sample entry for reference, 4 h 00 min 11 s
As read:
7 h 57 min 01 s
